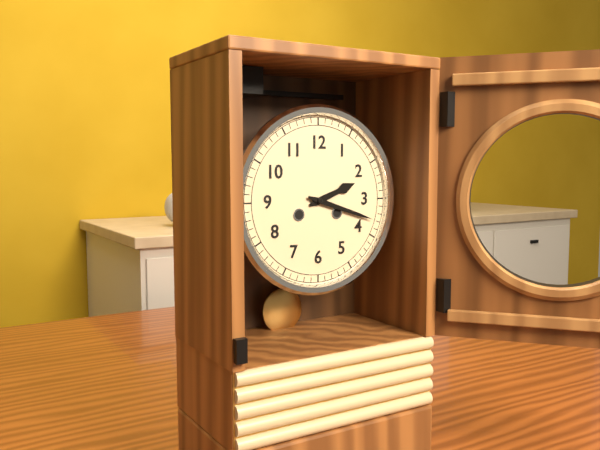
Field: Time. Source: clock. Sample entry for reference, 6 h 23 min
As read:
2 h 18 min
